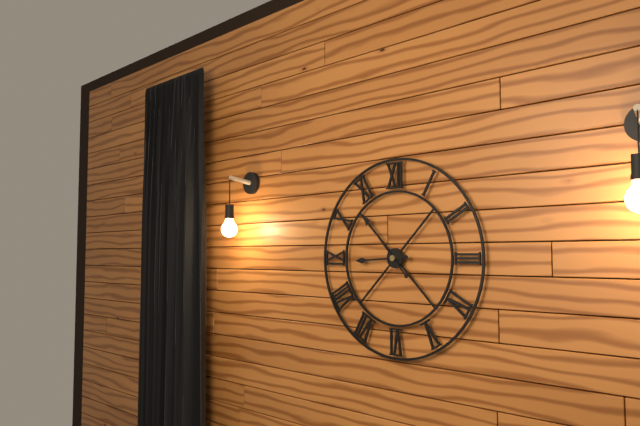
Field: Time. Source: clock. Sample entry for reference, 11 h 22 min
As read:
8 h 53 min
